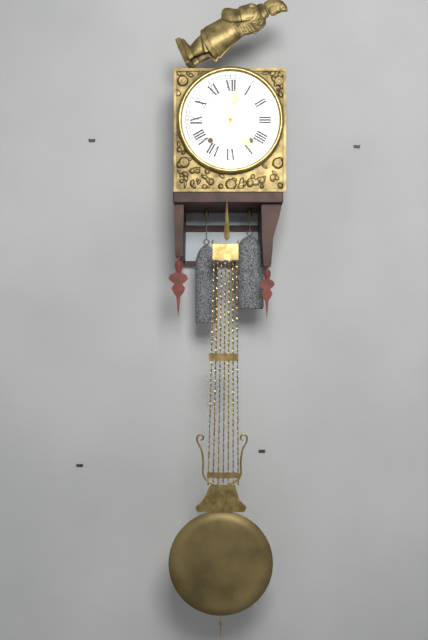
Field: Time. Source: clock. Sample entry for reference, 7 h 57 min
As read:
12 h 24 min
